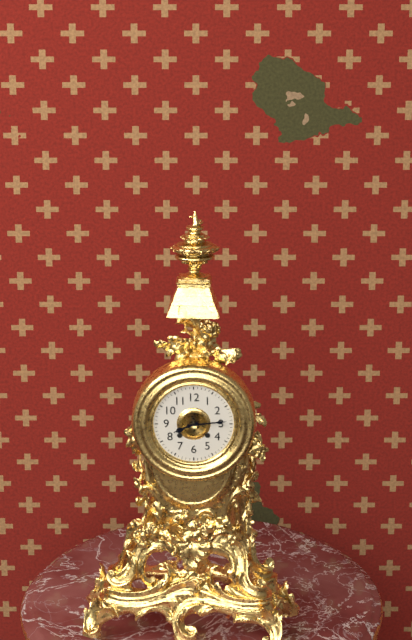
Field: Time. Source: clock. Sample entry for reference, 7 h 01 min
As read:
8 h 14 min
